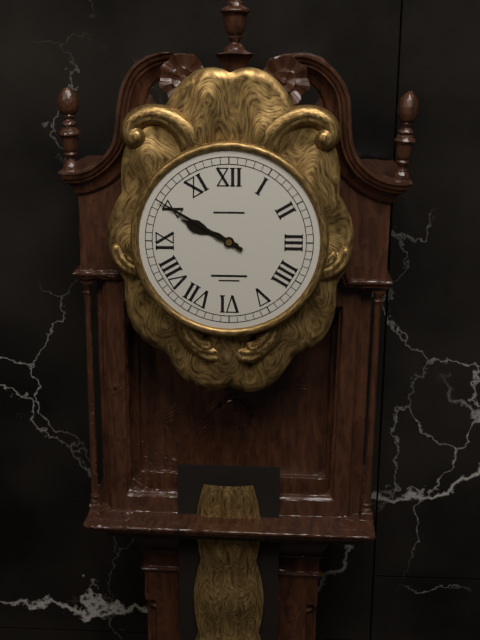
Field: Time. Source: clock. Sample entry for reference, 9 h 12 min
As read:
9 h 50 min
